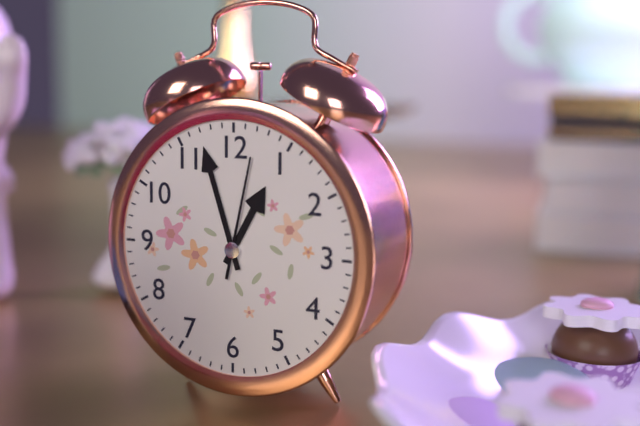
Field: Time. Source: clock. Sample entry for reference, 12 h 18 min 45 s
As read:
12 h 57 min 02 s
